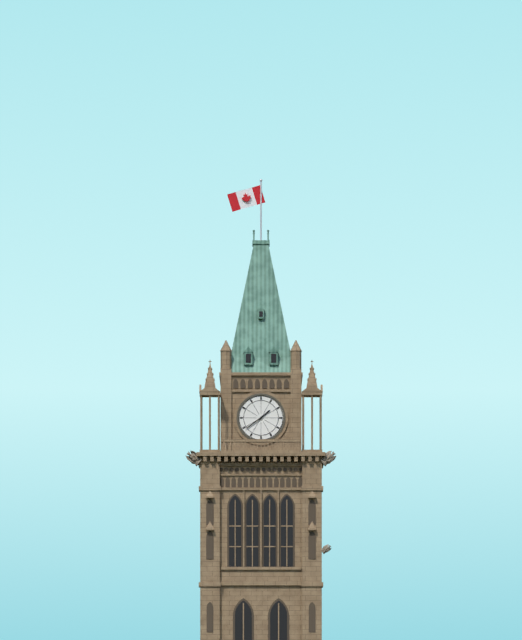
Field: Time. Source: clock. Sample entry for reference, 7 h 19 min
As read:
1 h 39 min
